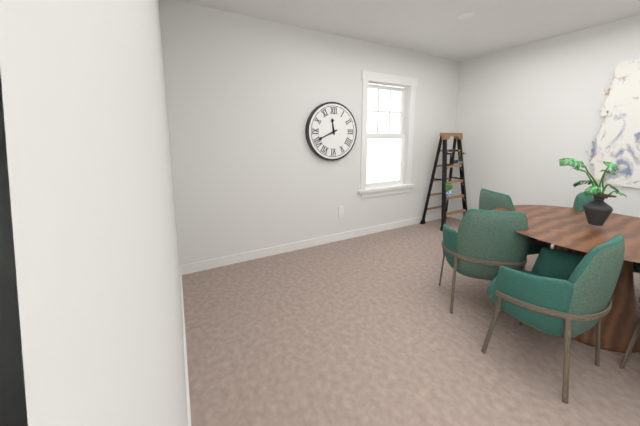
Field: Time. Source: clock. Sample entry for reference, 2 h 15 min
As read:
11 h 41 min
